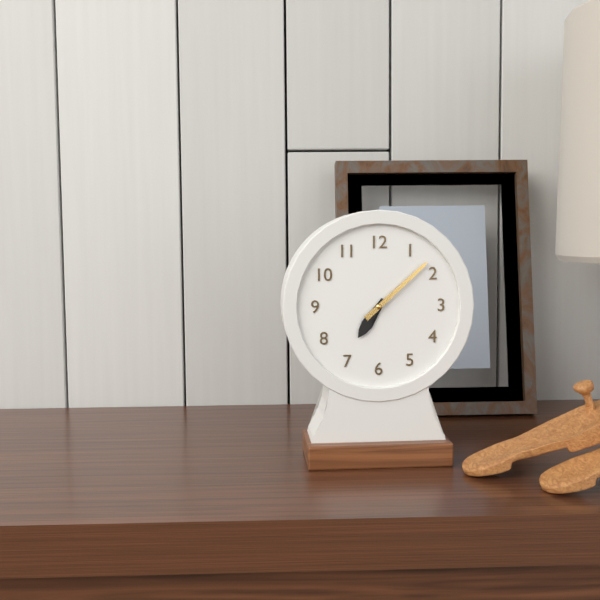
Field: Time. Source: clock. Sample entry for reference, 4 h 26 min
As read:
7 h 08 min
